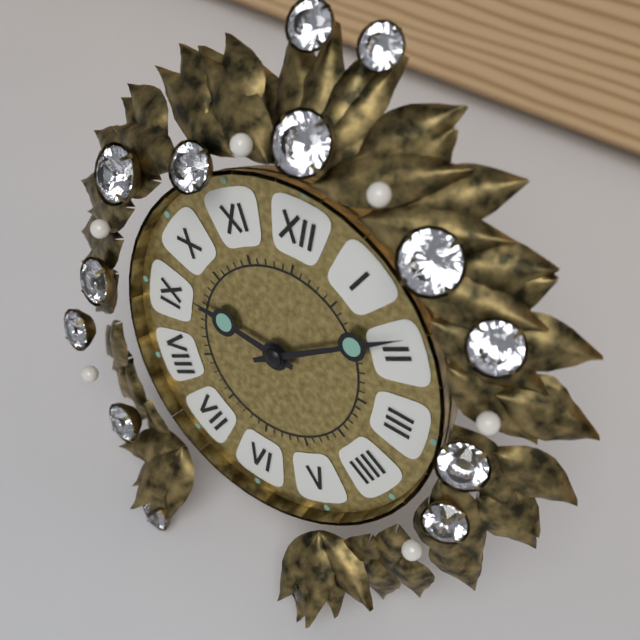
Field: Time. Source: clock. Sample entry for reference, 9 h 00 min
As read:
9 h 09 min
